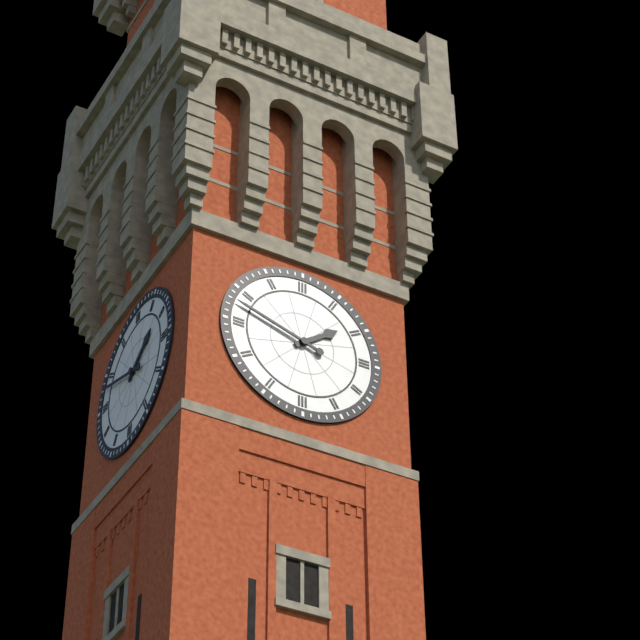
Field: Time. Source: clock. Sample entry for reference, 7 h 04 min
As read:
1 h 48 min
